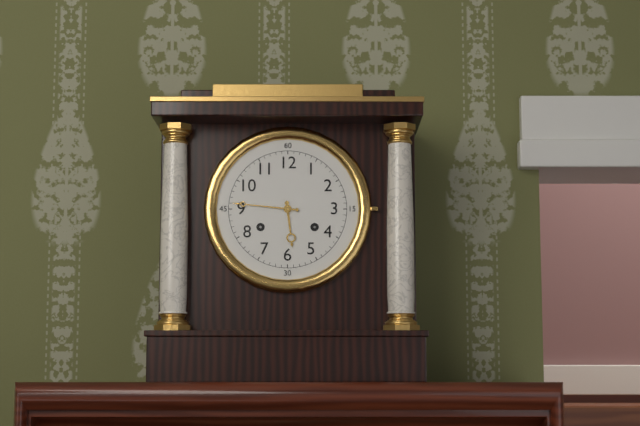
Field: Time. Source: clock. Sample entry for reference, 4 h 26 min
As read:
5 h 46 min
